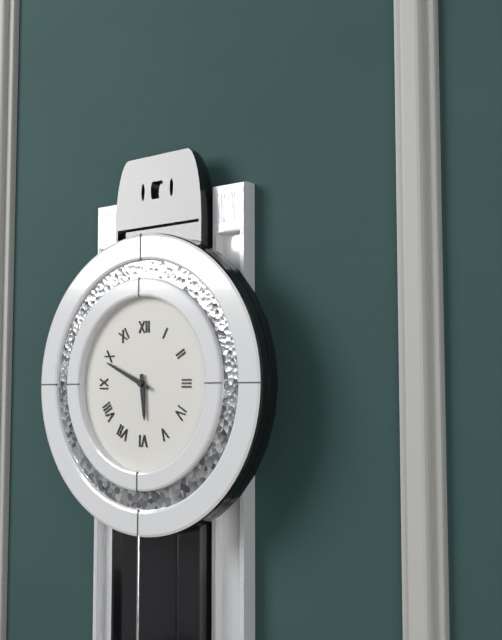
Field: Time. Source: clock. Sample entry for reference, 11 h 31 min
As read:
5 h 49 min
